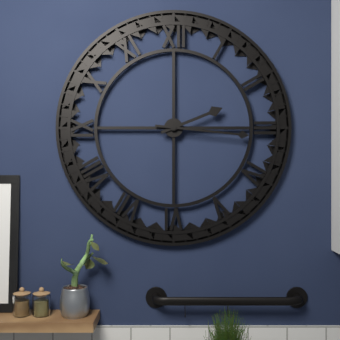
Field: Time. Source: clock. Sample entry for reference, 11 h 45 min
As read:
2 h 16 min
